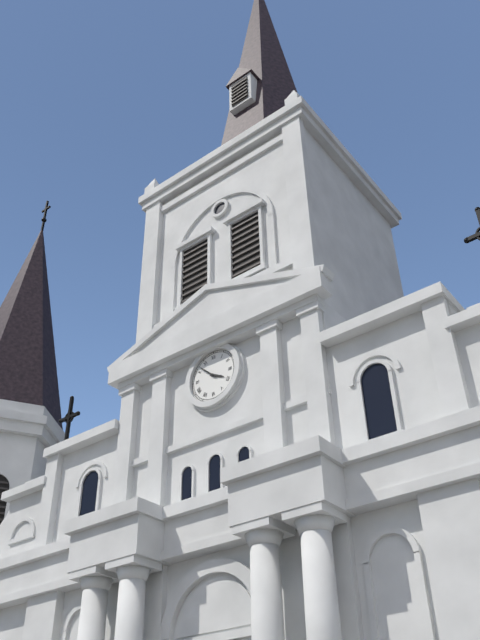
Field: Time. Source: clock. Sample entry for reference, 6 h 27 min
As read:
3 h 52 min
